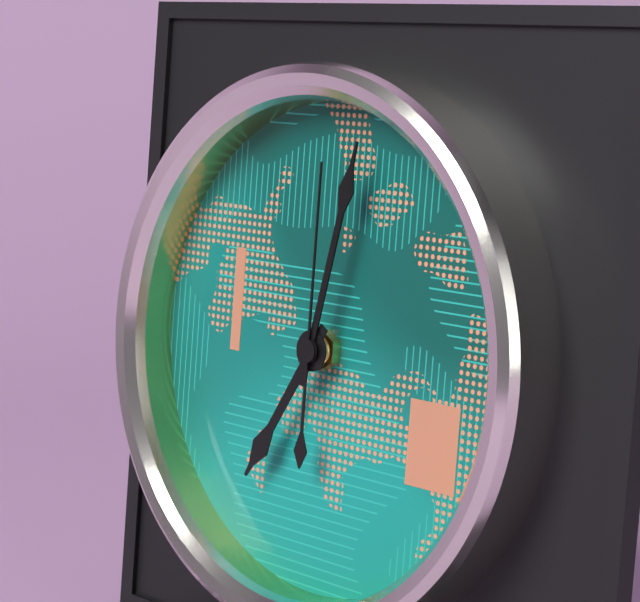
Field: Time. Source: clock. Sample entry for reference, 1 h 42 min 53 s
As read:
7 h 02 min 00 s
